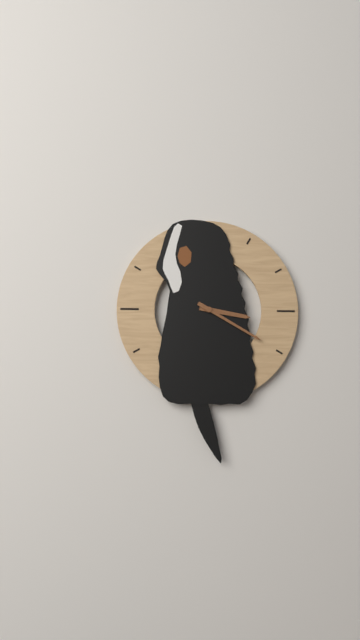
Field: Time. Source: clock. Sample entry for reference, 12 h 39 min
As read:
3 h 20 min
